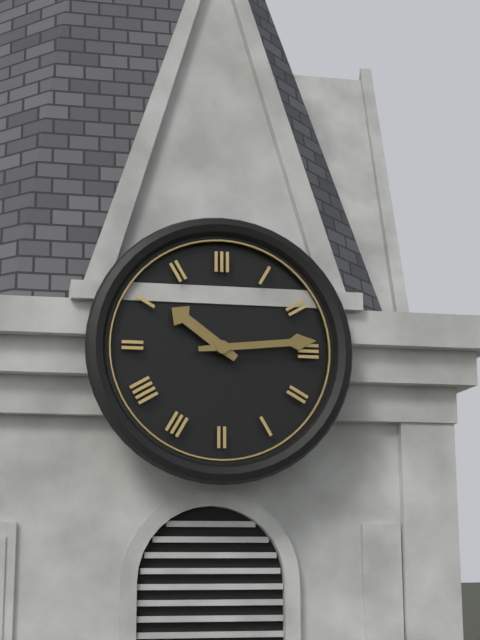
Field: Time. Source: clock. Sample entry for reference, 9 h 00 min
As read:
10 h 14 min
